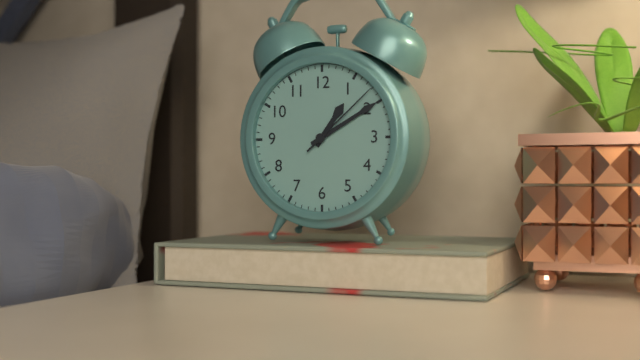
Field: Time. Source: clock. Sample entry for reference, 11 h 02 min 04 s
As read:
1 h 10 min 08 s
